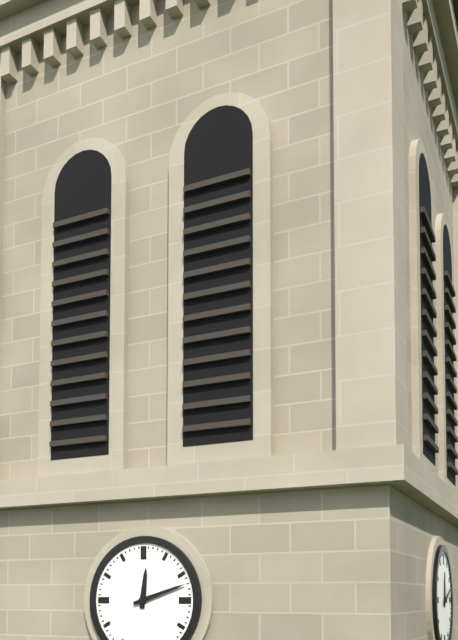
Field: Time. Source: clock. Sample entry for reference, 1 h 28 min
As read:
12 h 12 min
